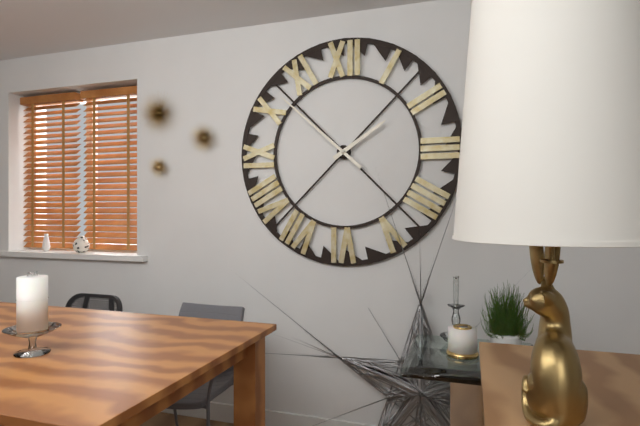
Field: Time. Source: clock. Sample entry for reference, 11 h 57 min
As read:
1 h 52 min
